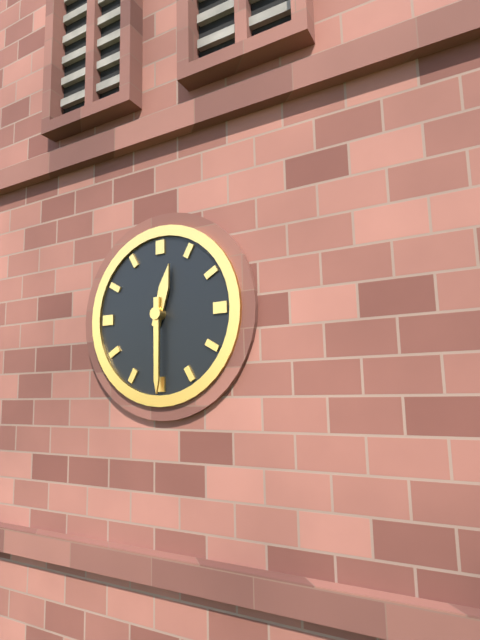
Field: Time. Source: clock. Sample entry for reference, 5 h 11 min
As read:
12 h 30 min
